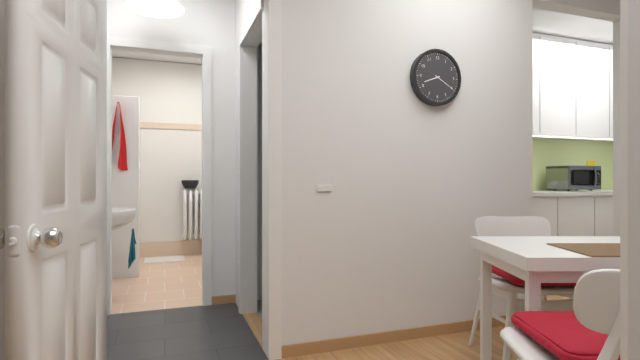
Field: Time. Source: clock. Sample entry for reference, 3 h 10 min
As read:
8 h 20 min
